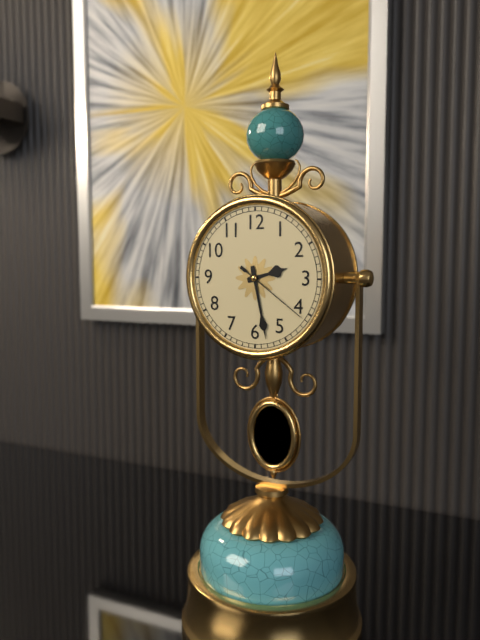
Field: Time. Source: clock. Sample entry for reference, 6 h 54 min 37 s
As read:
2 h 28 min 21 s
